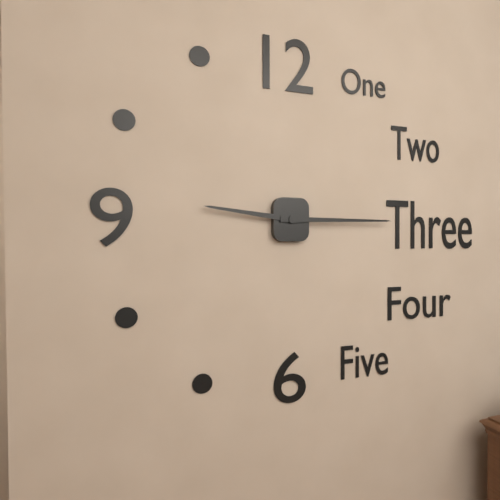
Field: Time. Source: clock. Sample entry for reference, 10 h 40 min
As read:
9 h 15 min
